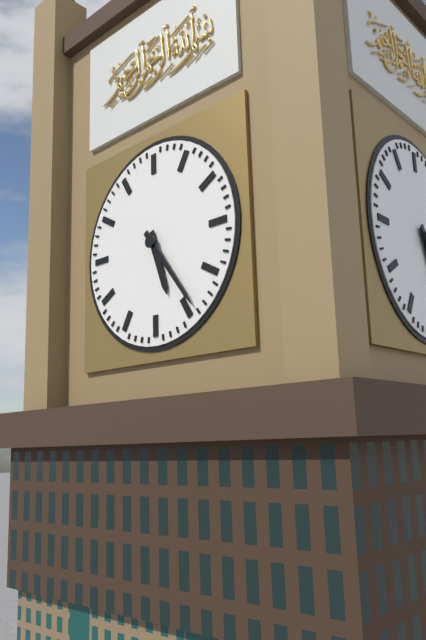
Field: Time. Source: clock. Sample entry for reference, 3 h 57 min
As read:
5 h 24 min
